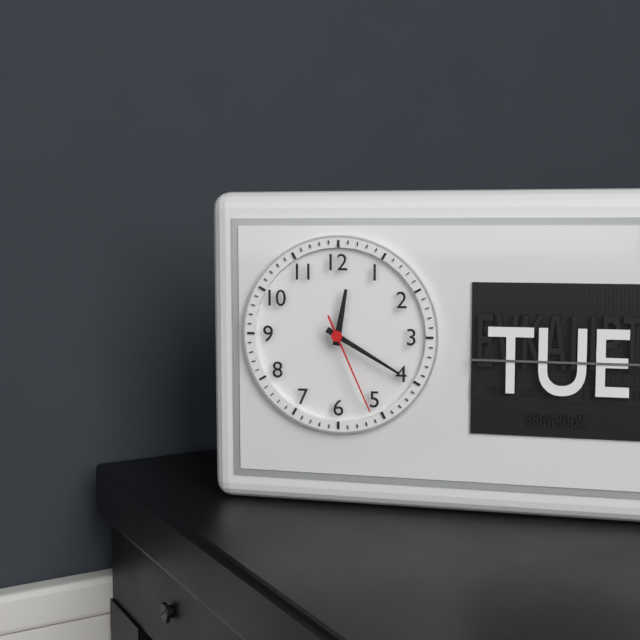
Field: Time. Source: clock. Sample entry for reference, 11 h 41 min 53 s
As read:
12 h 20 min 26 s
